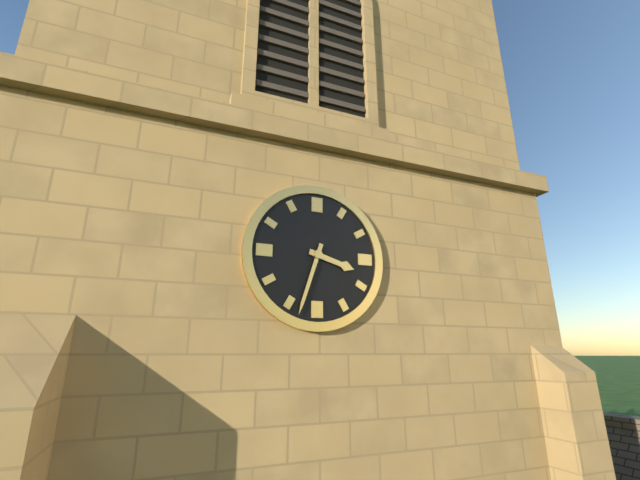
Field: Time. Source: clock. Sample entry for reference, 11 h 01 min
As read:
3 h 33 min
